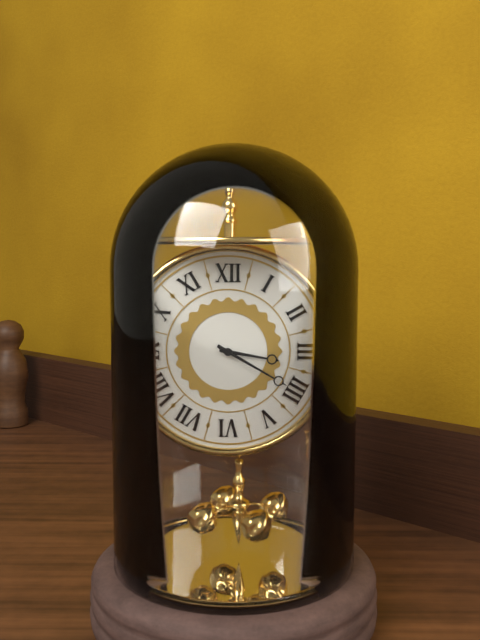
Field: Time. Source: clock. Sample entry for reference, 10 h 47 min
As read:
3 h 20 min
